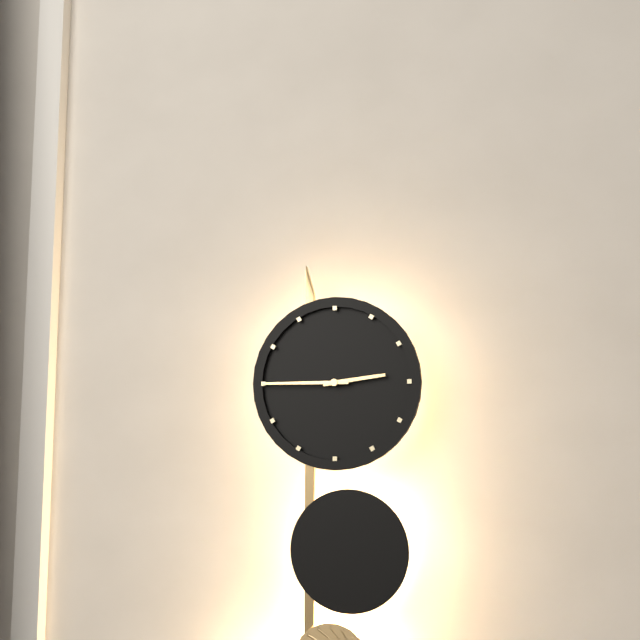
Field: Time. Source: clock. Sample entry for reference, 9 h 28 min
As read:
2 h 45 min
